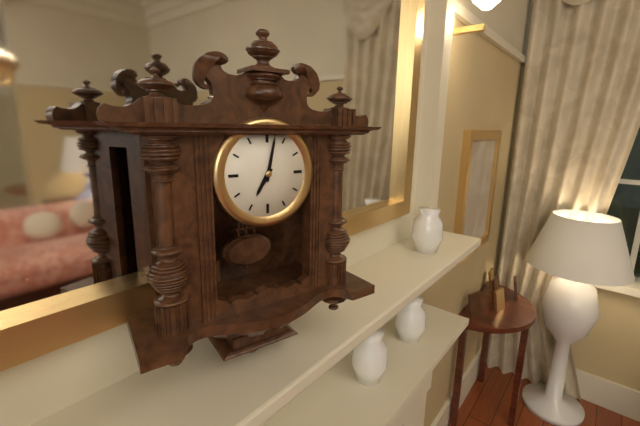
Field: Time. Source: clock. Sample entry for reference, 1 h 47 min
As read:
7 h 02 min
